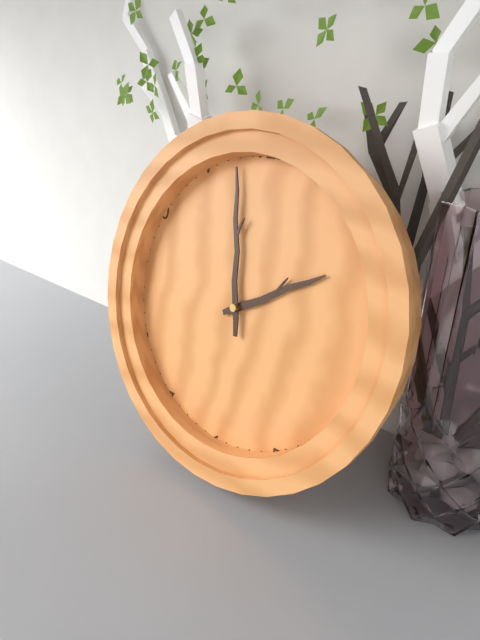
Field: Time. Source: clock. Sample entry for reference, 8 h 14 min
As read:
1 h 58 min
